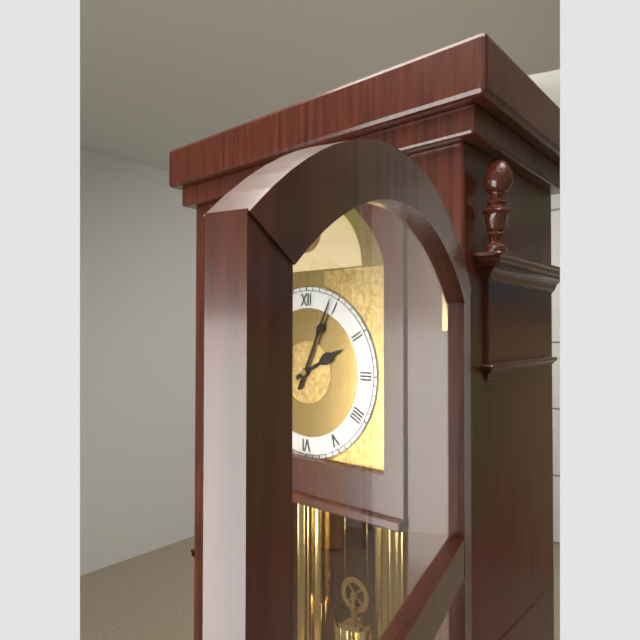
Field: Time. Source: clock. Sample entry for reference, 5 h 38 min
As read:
2 h 04 min
